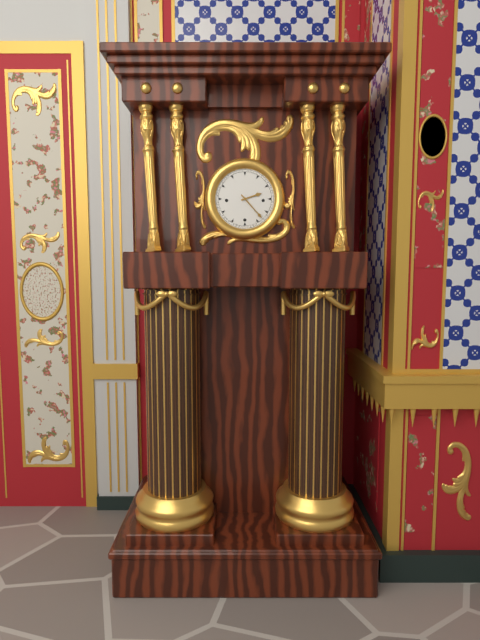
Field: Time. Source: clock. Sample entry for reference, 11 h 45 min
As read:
2 h 23 min
